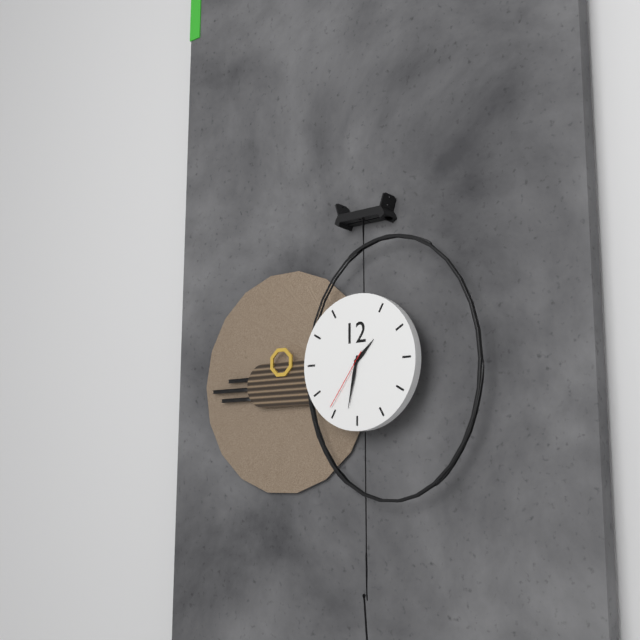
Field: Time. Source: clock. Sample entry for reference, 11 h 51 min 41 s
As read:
1 h 32 min 36 s
